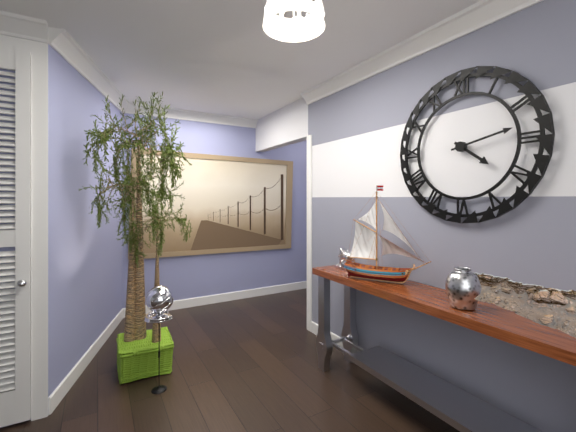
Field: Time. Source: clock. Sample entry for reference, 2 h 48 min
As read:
4 h 13 min
